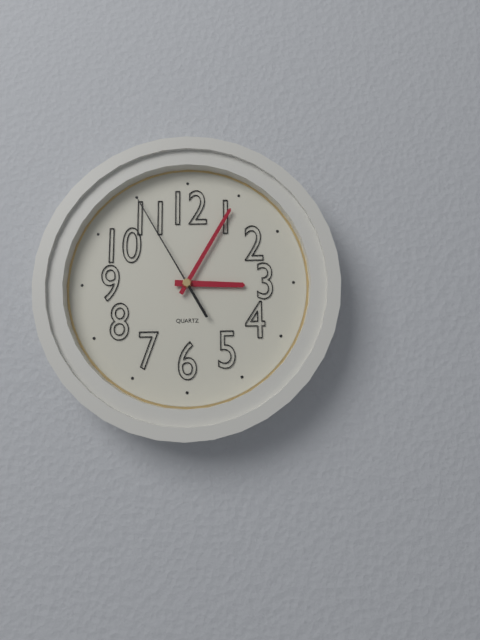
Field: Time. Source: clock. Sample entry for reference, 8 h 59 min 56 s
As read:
3 h 05 min 55 s
